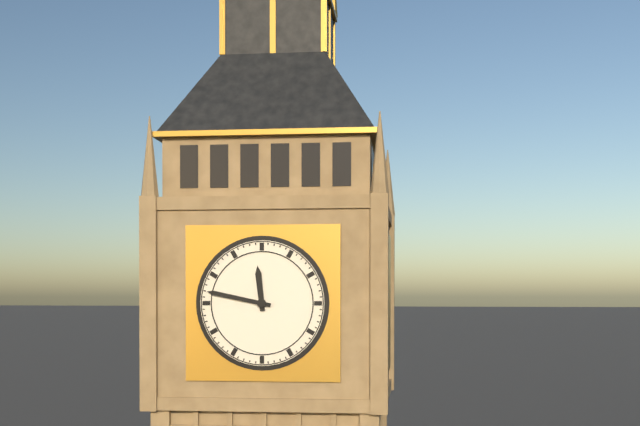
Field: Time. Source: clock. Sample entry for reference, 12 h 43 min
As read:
11 h 47 min
